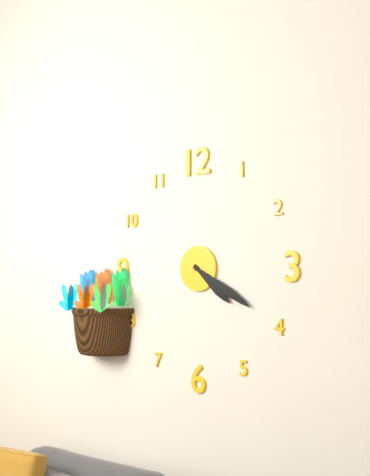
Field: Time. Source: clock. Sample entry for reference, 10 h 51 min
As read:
4 h 20 min
